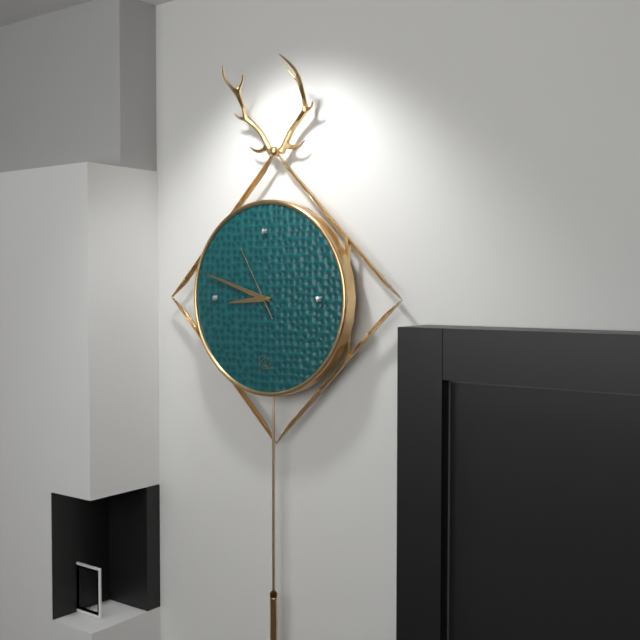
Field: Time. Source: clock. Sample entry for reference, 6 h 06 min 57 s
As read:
8 h 48 min 55 s
